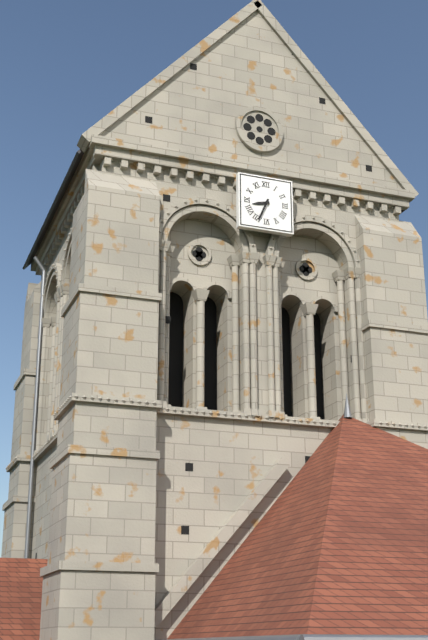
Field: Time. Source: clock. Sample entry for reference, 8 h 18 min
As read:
8 h 34 min
